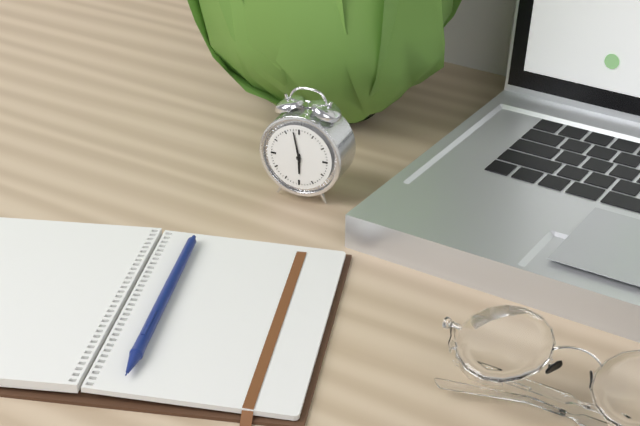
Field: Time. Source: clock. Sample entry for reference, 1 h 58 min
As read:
5 h 58 min
